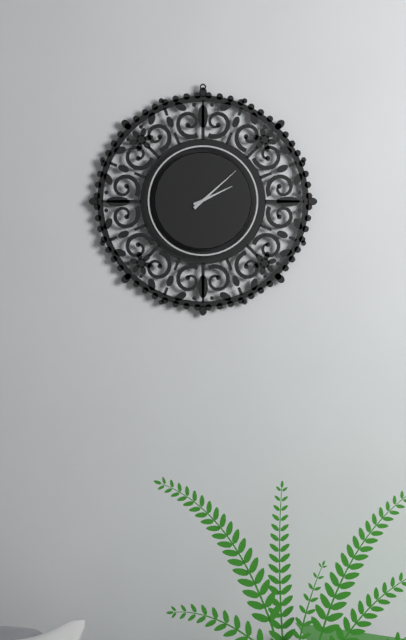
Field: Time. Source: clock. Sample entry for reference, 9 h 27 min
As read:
2 h 08 min
